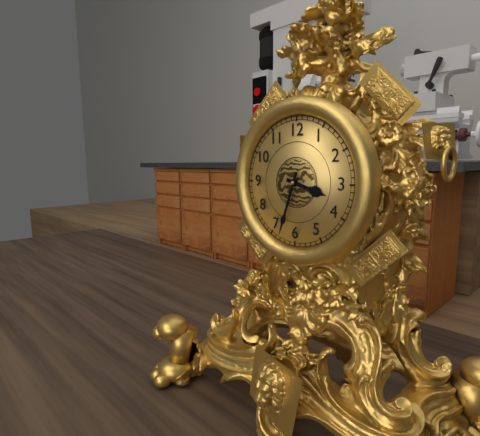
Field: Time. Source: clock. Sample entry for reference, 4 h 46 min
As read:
3 h 33 min
